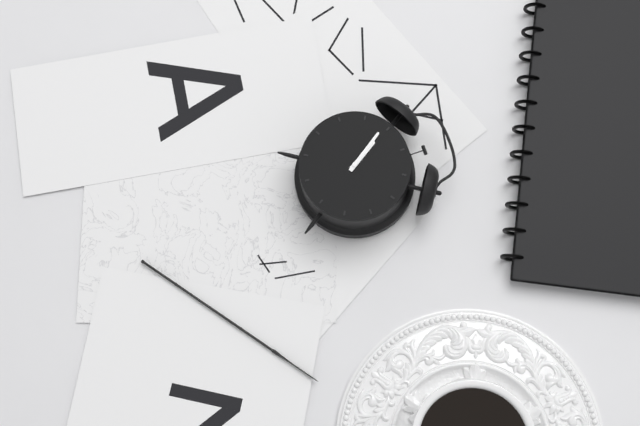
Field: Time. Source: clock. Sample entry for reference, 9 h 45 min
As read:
10 h 54 min
